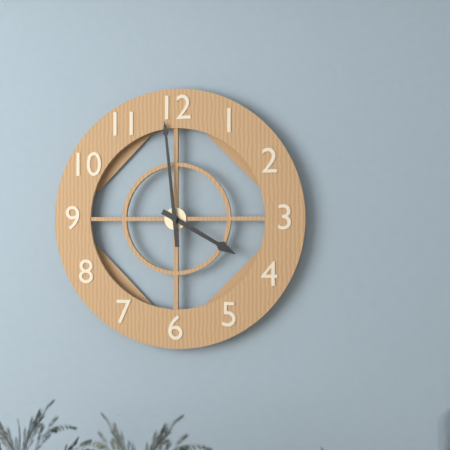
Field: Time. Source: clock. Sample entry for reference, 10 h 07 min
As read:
3 h 59 min
